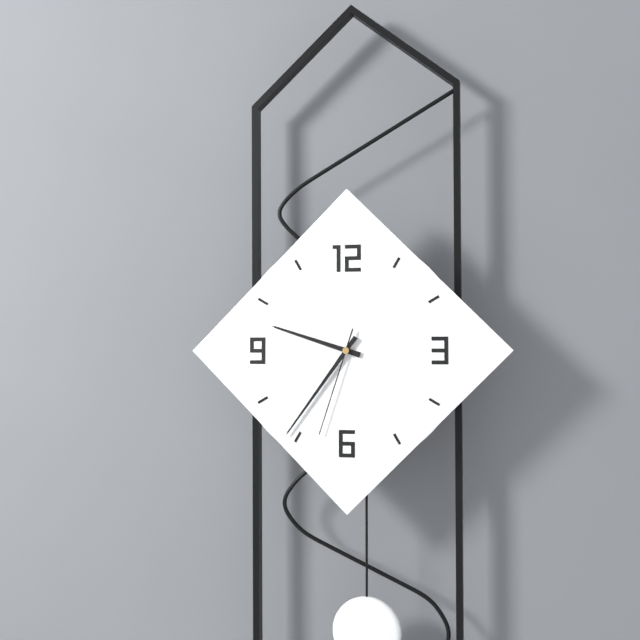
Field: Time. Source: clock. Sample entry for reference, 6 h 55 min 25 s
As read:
9 h 36 min 33 s
